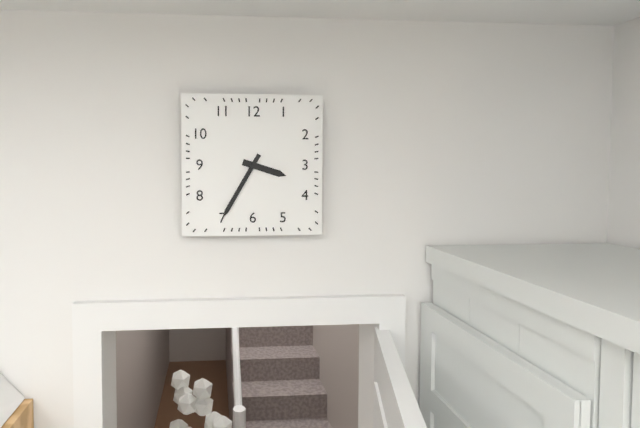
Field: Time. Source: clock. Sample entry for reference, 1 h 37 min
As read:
3 h 35 min
